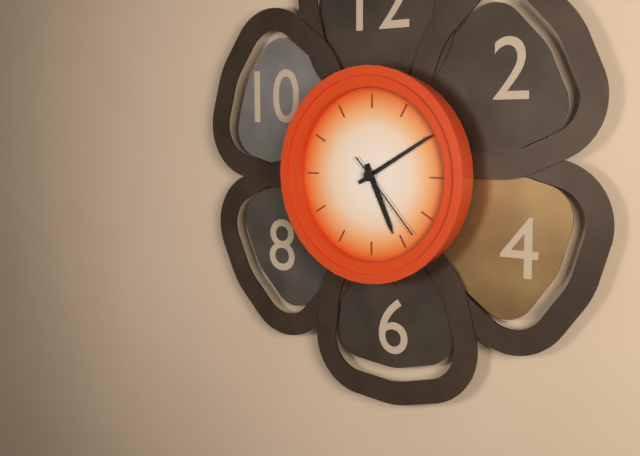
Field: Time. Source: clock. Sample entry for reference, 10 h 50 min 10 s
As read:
5 h 10 min 23 s
